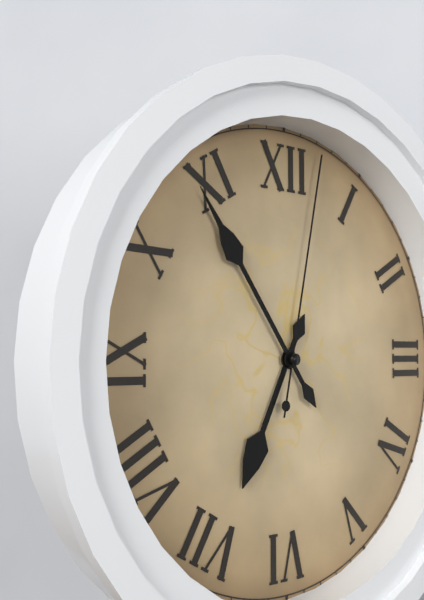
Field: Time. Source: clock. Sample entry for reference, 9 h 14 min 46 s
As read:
6 h 54 min 02 s
